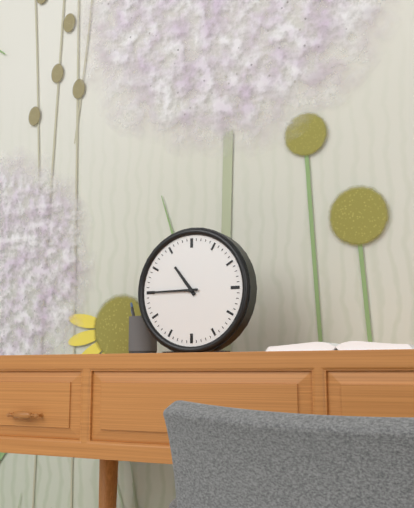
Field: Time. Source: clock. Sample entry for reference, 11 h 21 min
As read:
10 h 45 min
